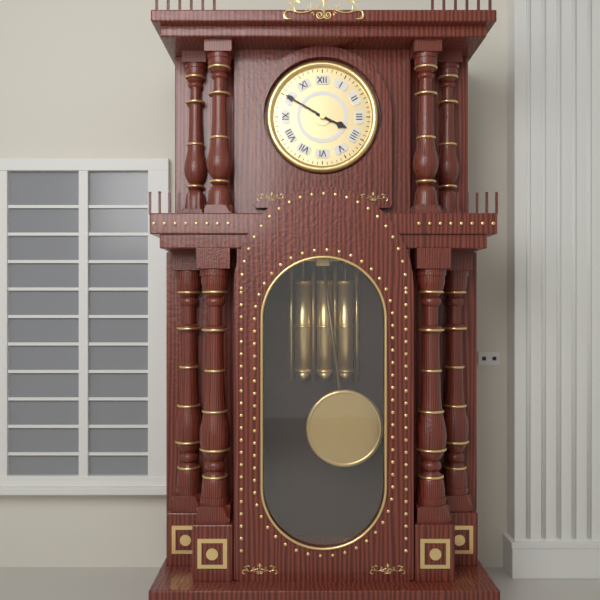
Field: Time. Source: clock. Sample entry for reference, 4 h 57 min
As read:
3 h 50 min
